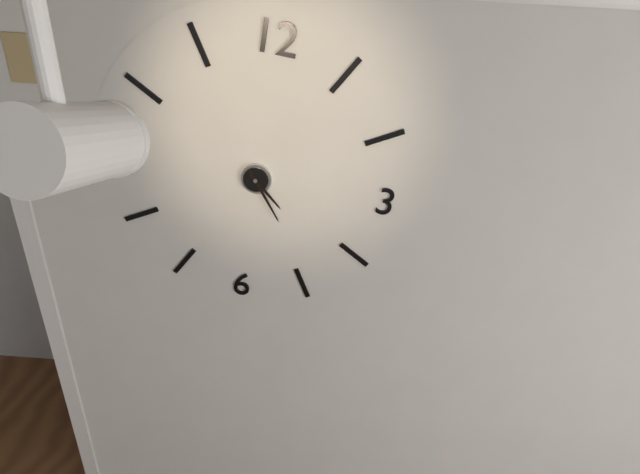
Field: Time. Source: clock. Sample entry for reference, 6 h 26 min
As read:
4 h 24 min
